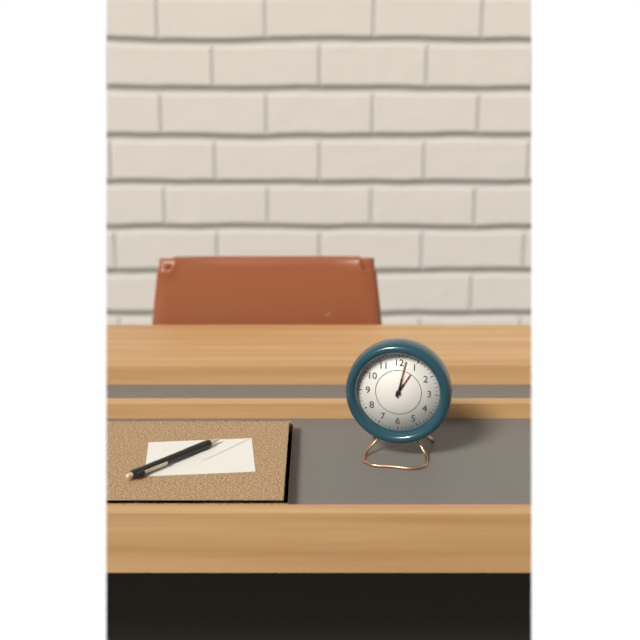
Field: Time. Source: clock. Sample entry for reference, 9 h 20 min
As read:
1 h 02 min
